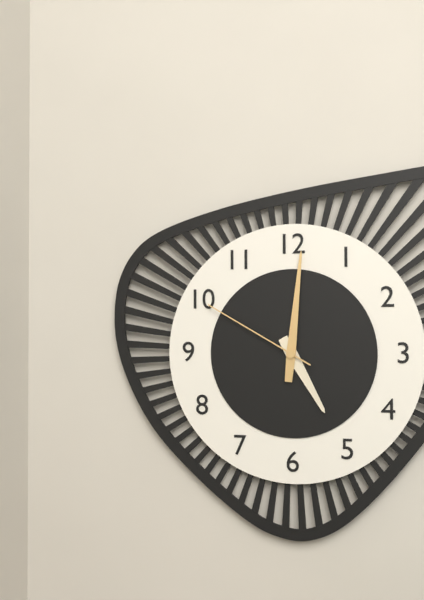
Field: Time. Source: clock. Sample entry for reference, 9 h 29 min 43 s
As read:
5 h 01 min 50 s
